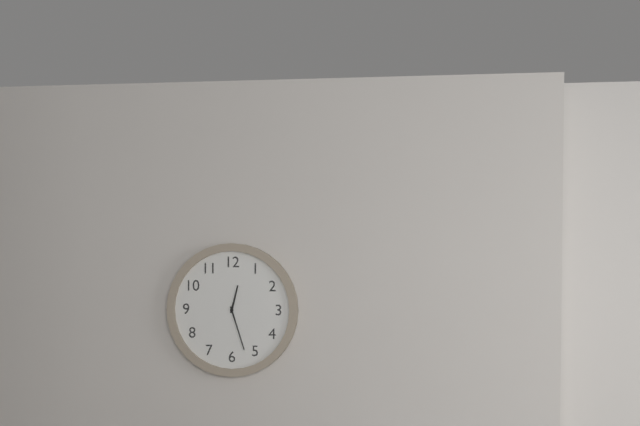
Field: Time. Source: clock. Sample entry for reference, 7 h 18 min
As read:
12 h 27 min
